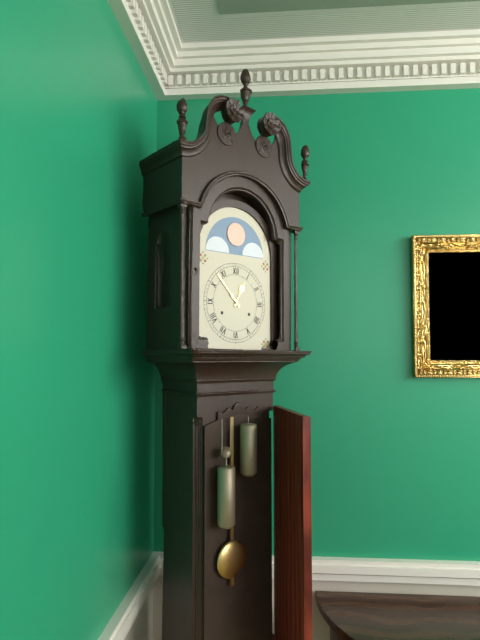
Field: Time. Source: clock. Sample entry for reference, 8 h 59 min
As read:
12 h 53 min
